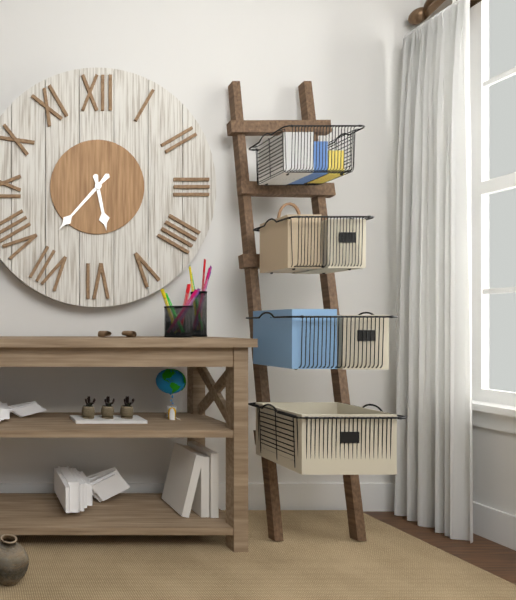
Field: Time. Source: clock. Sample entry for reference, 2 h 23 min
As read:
5 h 37 min
